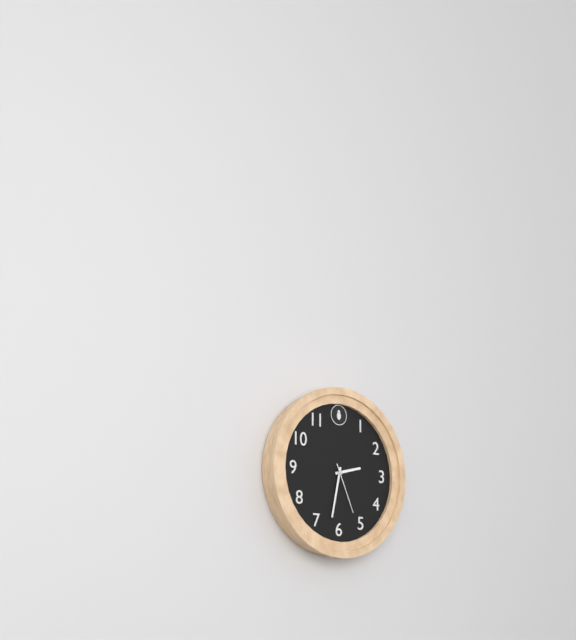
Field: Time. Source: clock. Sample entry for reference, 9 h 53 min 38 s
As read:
2 h 32 min 26 s
